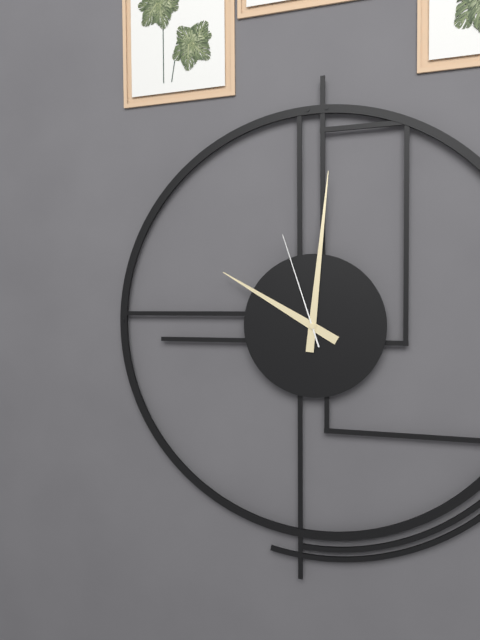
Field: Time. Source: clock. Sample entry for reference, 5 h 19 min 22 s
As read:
10 h 01 min 57 s
